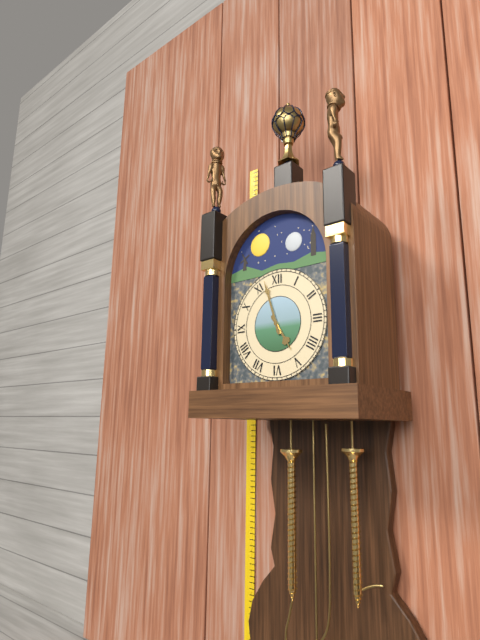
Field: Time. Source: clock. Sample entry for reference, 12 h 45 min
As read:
4 h 57 min
